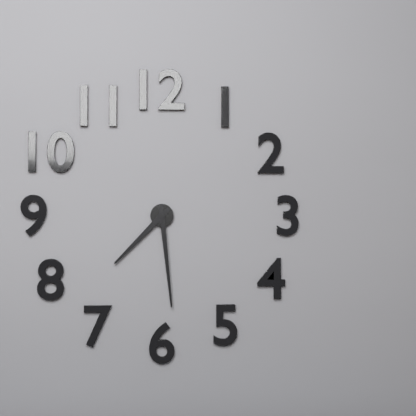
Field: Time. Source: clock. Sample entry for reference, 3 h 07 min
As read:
7 h 29 min
